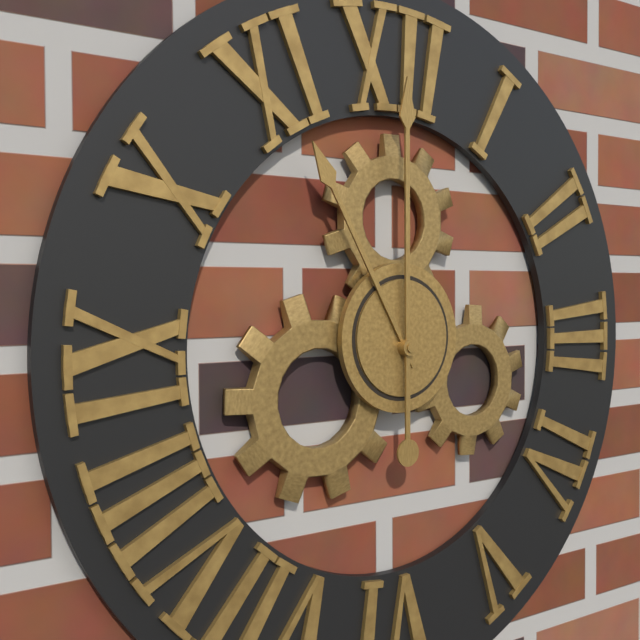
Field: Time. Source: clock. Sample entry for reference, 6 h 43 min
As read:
11 h 00 min
